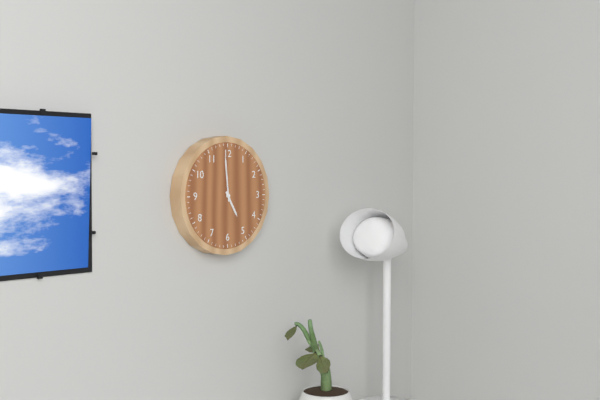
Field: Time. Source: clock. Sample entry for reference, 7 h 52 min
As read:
4 h 59 min
